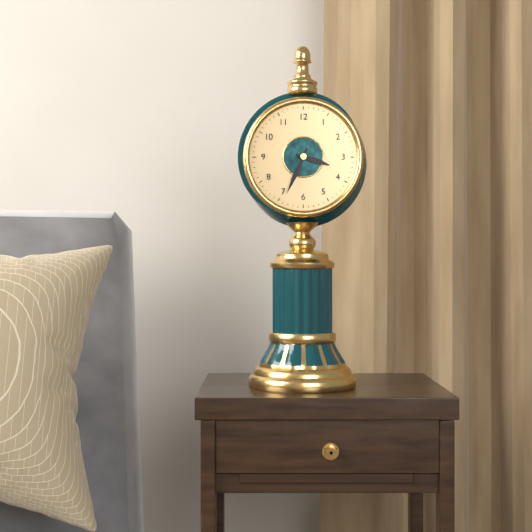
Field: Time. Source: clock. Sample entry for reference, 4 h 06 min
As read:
3 h 34 min
